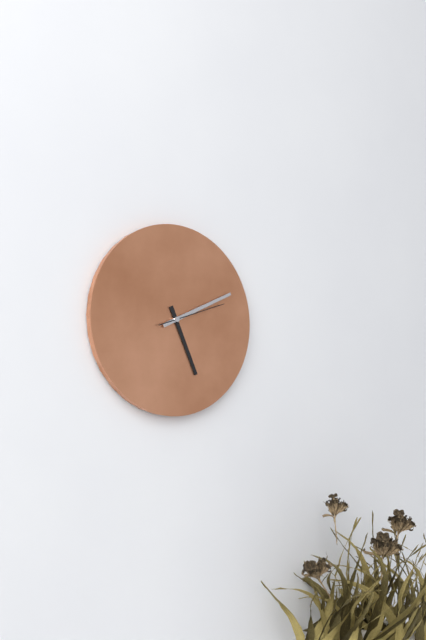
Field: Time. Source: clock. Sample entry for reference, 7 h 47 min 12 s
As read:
5 h 11 min 12 s
